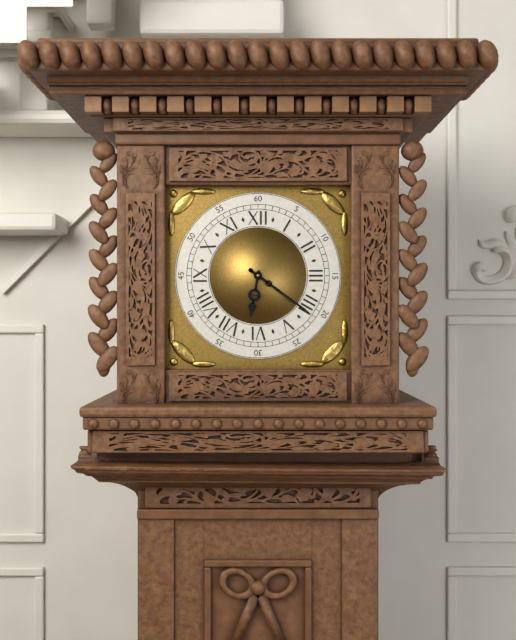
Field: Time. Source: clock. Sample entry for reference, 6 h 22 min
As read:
6 h 21 min
